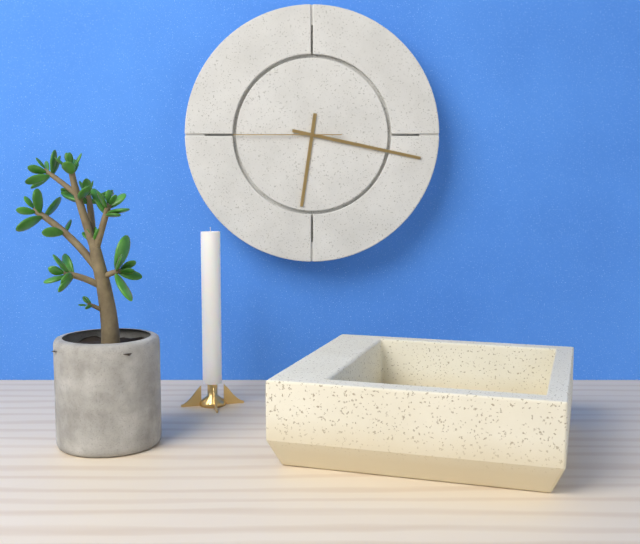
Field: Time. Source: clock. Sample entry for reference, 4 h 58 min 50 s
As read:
6 h 17 min 45 s
